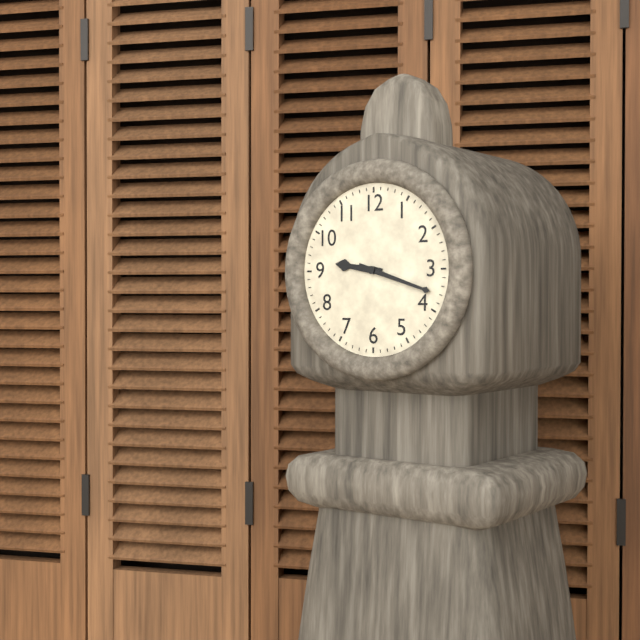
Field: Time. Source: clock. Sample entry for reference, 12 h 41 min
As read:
9 h 18 min
